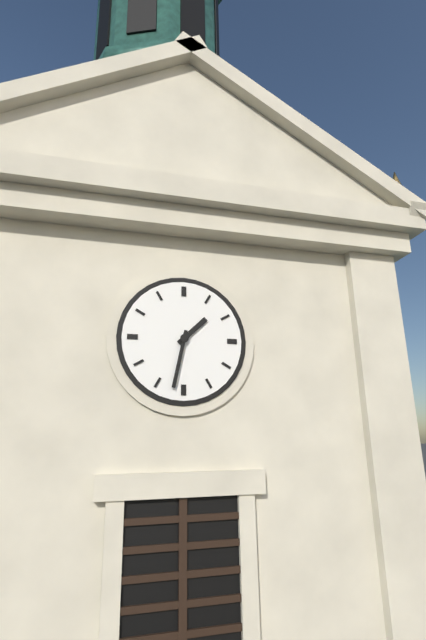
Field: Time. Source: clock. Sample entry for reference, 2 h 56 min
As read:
1 h 32 min
